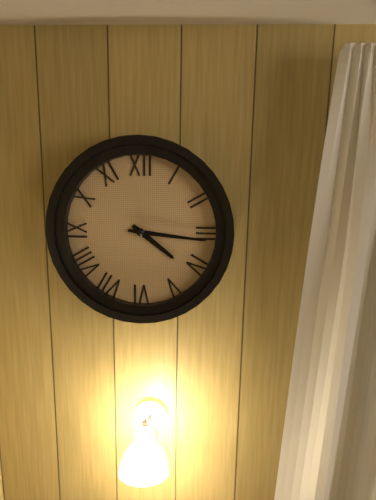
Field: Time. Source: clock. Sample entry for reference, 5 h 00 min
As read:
4 h 16 min
